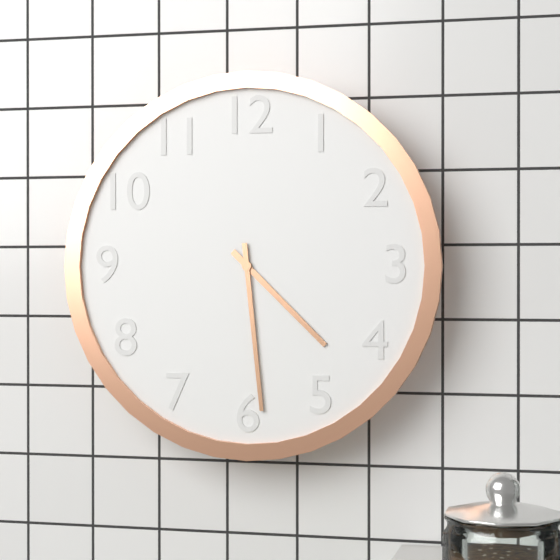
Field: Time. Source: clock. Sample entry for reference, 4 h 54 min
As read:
4 h 29 min
